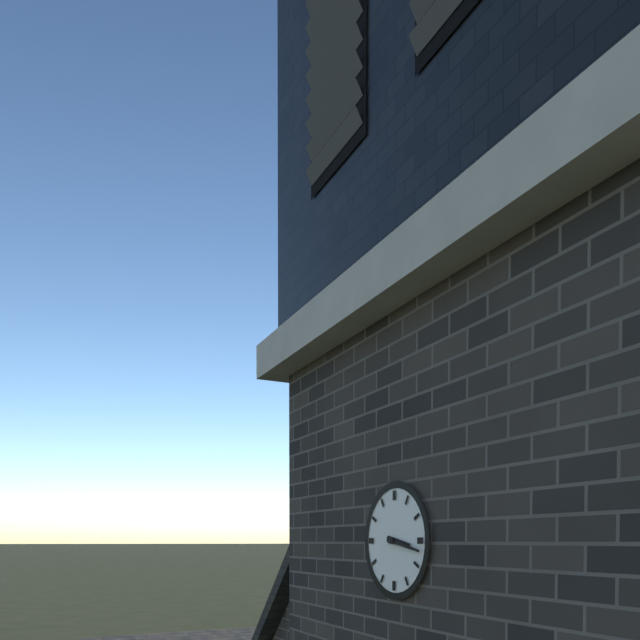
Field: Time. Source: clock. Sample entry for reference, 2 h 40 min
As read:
3 h 17 min
